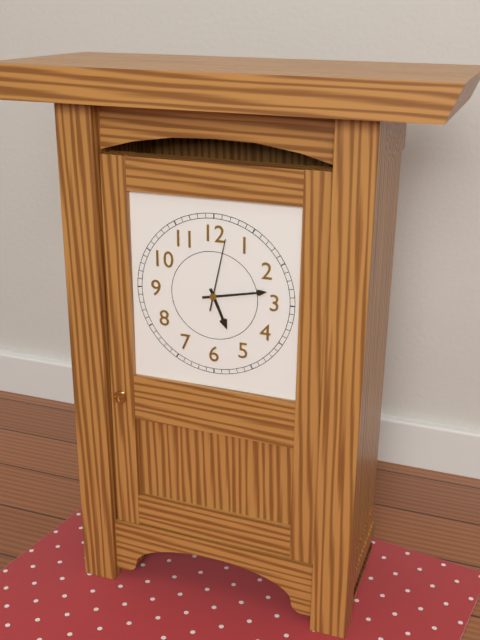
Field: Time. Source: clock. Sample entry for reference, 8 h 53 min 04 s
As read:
5 h 13 min 02 s
